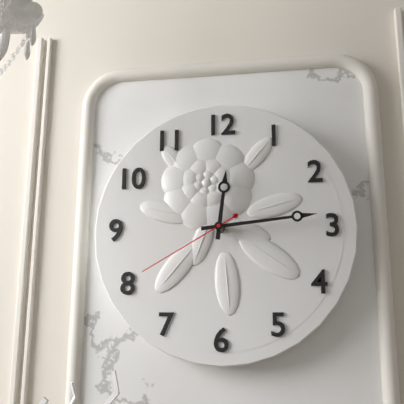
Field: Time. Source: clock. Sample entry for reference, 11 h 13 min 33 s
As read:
12 h 14 min 40 s
